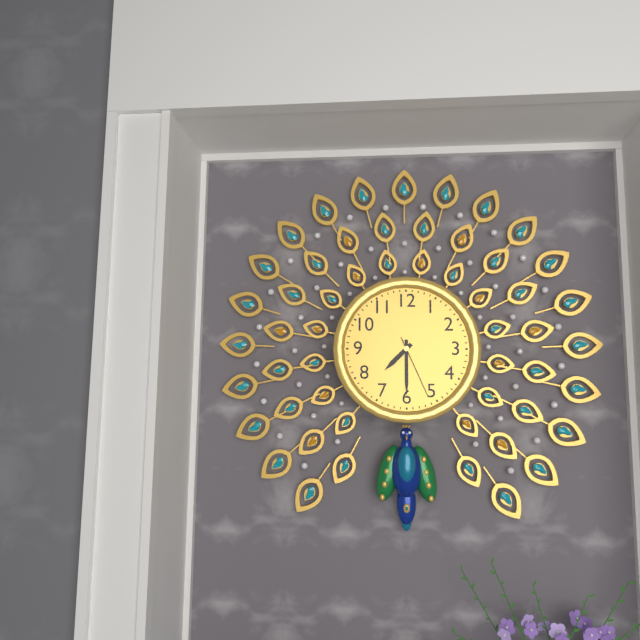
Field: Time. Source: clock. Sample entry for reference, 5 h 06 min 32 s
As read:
7 h 30 min 26 s
